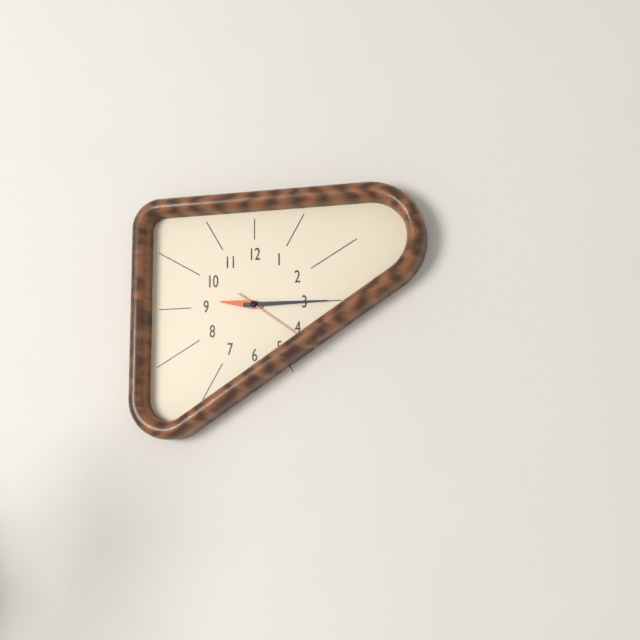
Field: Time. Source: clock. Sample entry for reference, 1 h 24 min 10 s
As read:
9 h 15 min 21 s
